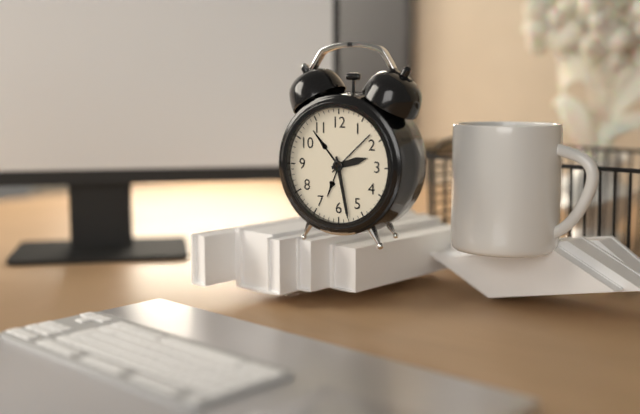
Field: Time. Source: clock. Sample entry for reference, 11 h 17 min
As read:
2 h 28 min
